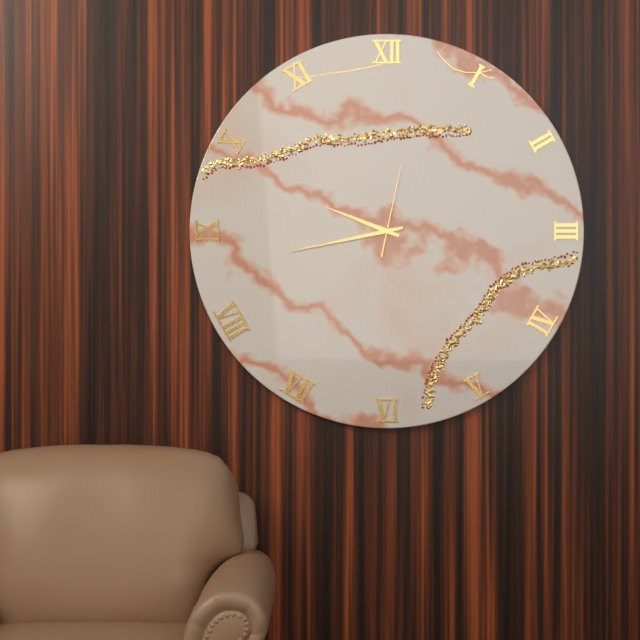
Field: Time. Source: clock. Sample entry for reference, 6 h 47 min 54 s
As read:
9 h 43 min 02 s
